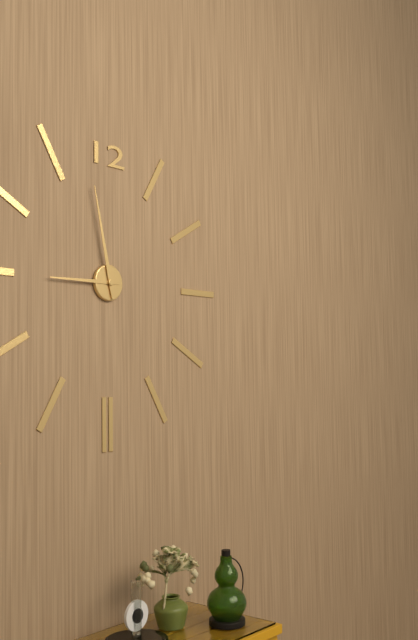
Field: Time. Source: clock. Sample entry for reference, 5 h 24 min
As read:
8 h 58 min
